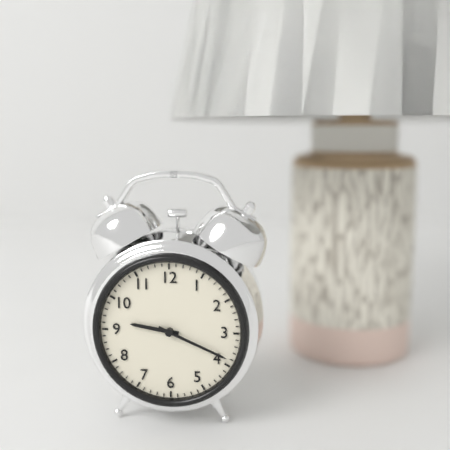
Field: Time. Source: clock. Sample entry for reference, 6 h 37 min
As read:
9 h 19 min
